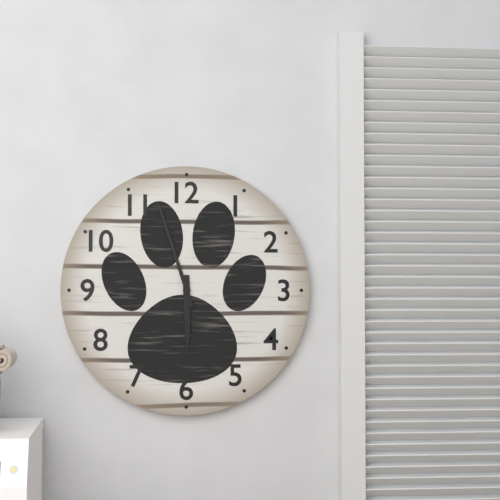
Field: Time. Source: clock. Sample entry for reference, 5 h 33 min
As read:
5 h 57 min
